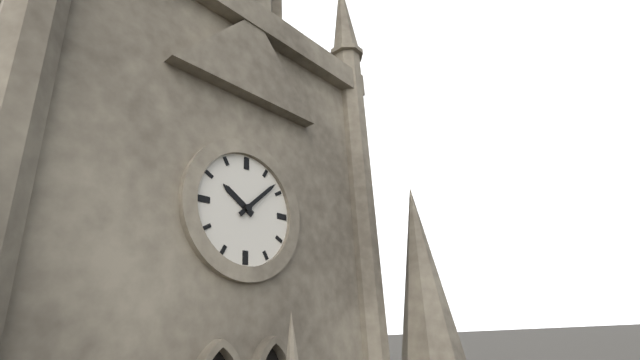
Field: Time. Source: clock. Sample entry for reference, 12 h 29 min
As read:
10 h 08 min
